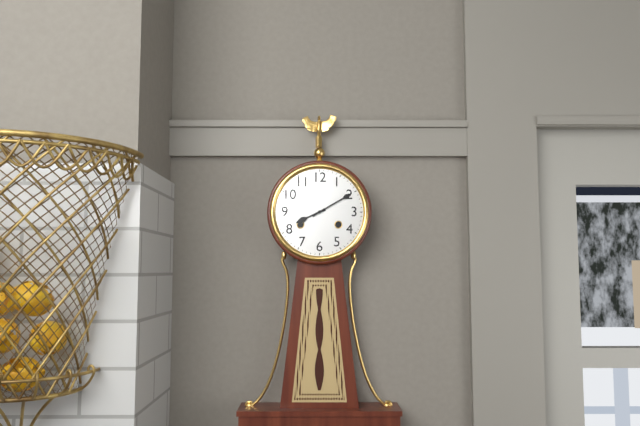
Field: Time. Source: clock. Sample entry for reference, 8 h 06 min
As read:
8 h 10 min
